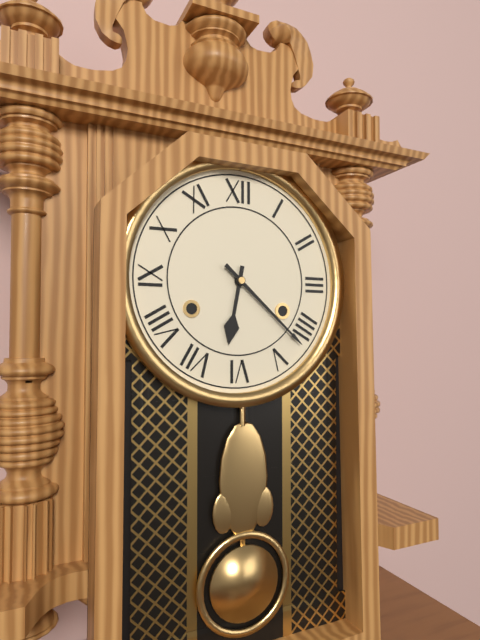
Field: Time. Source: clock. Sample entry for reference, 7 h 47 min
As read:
6 h 22 min
